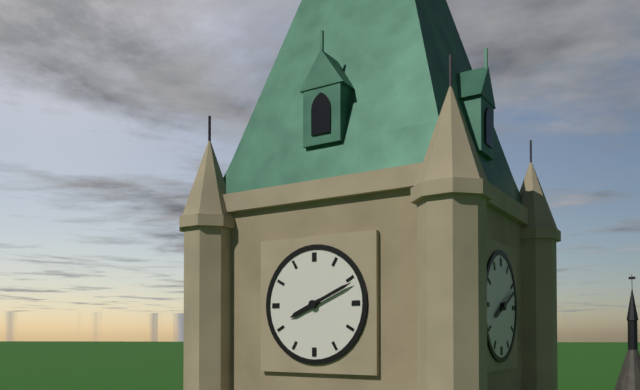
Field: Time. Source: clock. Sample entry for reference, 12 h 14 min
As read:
8 h 11 min
